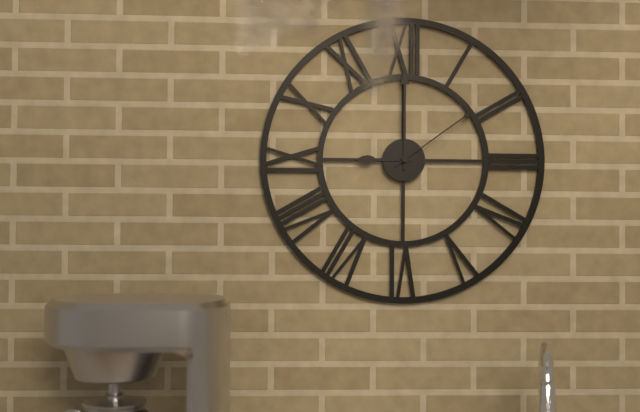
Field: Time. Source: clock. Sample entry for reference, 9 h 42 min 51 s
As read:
9 h 00 min 09 s
